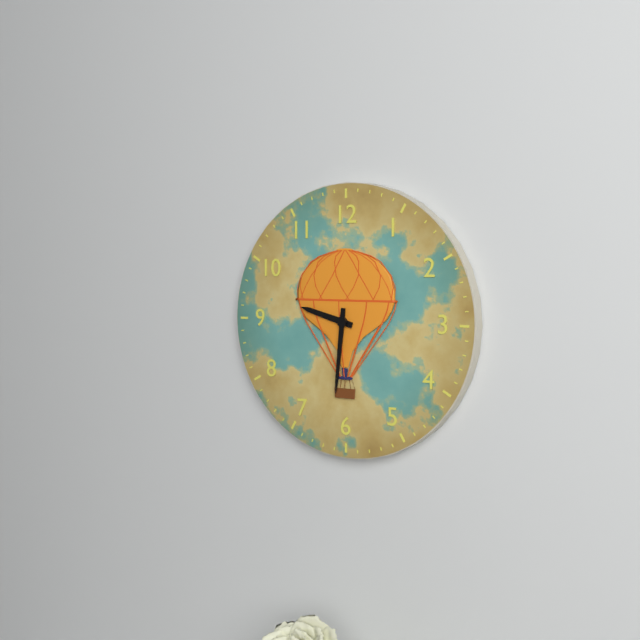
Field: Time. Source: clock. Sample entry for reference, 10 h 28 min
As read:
9 h 31 min
